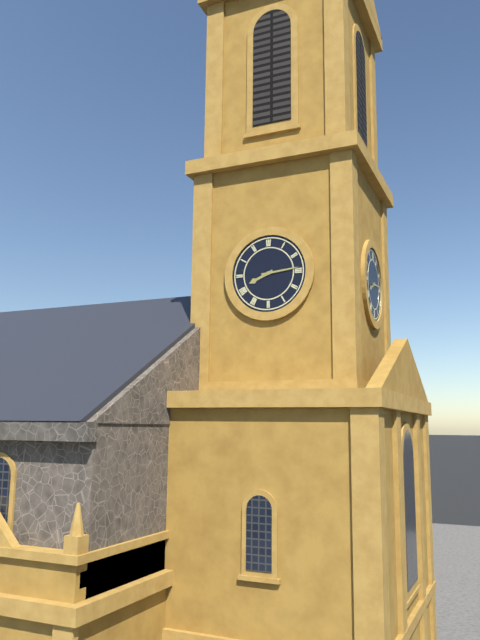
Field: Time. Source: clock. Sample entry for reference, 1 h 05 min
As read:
8 h 14 min
